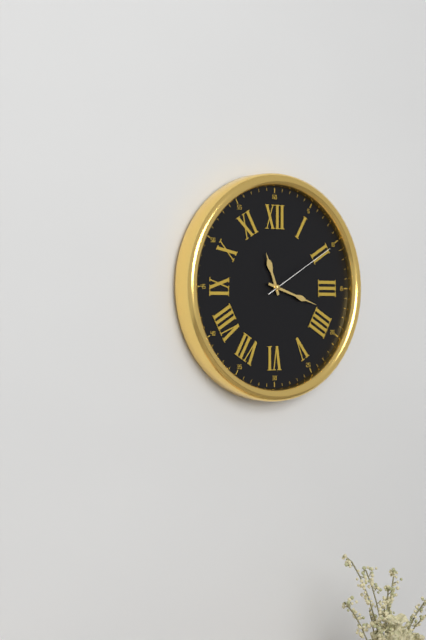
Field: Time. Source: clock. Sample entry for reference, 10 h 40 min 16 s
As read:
11 h 18 min 10 s
